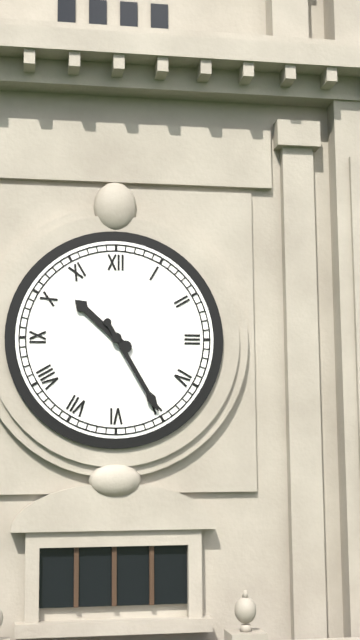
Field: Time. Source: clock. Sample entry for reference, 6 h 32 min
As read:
10 h 25 min
